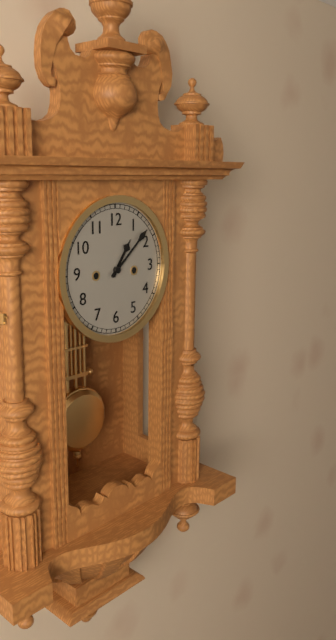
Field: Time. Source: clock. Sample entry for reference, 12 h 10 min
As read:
1 h 08 min
